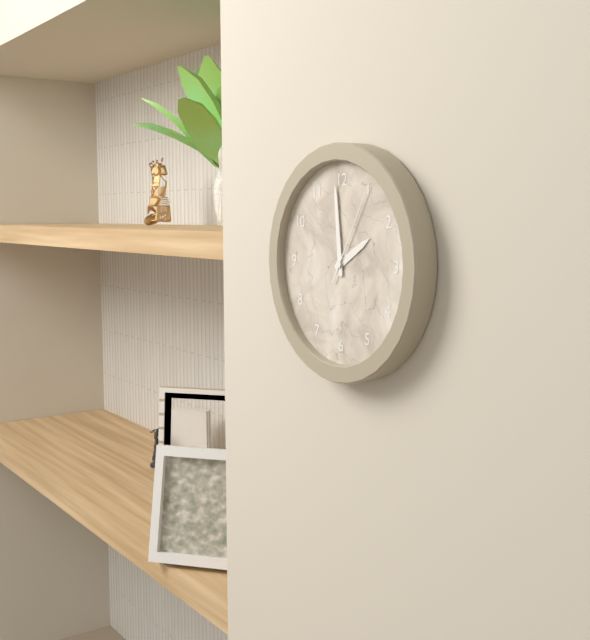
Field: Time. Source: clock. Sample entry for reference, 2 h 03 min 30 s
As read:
1 h 59 min 05 s
